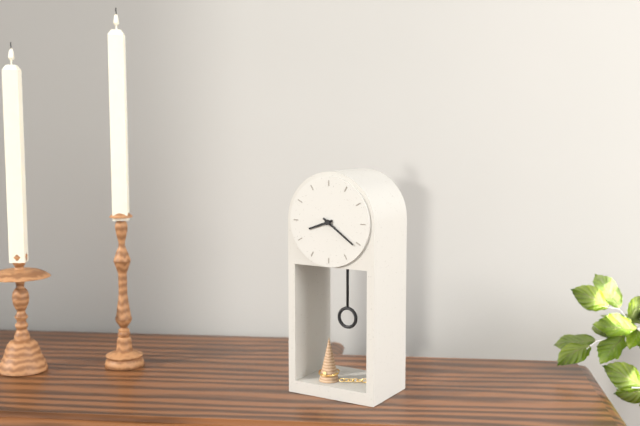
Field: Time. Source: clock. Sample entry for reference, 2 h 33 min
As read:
8 h 21 min
